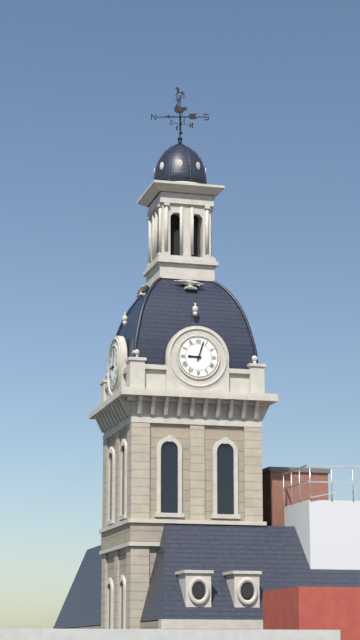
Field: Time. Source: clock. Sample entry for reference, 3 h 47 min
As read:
9 h 03 min
